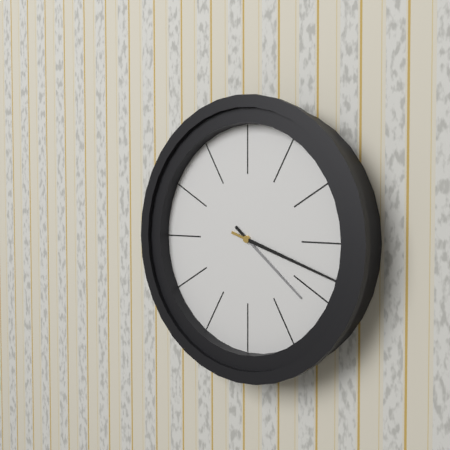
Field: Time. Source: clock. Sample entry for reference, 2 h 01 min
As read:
4 h 18 min
